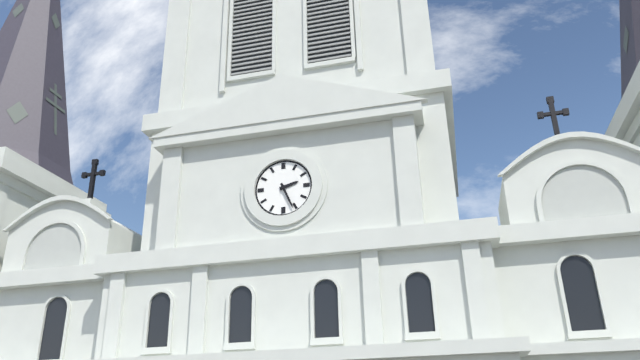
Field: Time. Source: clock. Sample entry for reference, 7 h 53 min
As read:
2 h 26 min
